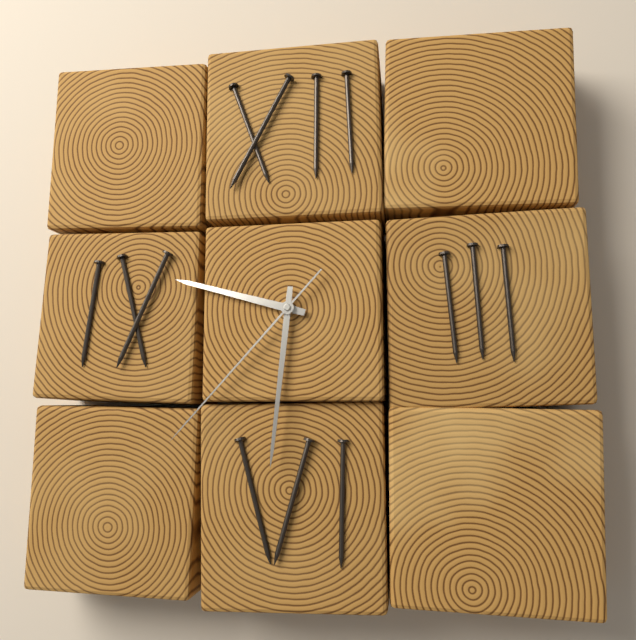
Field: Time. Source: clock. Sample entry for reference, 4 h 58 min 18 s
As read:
9 h 31 min 37 s
